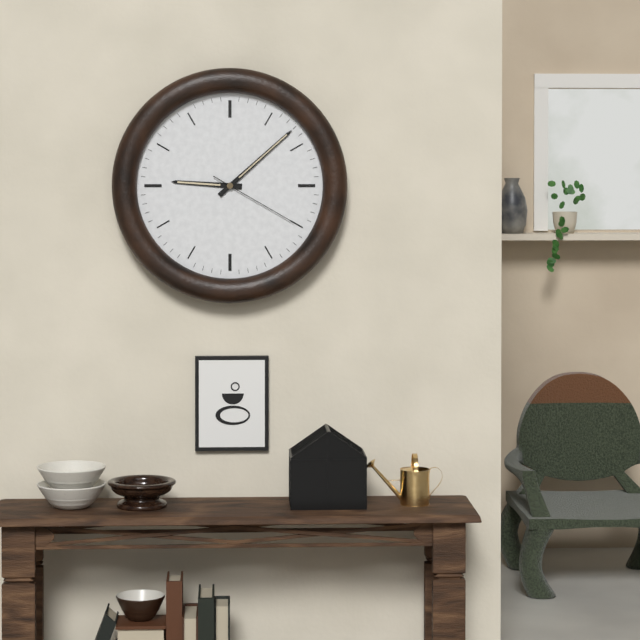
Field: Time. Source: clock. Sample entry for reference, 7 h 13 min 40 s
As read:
9 h 08 min 20 s
